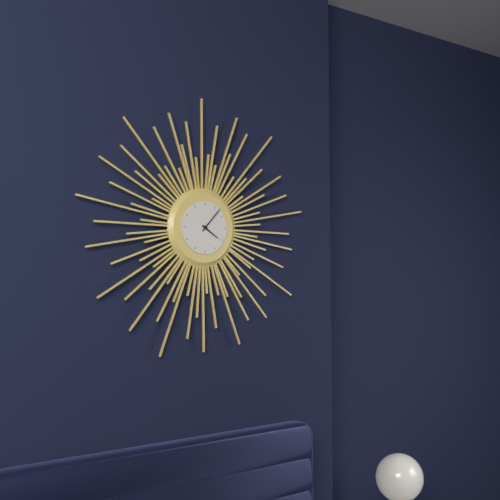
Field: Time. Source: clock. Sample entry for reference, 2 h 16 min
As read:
4 h 07 min
